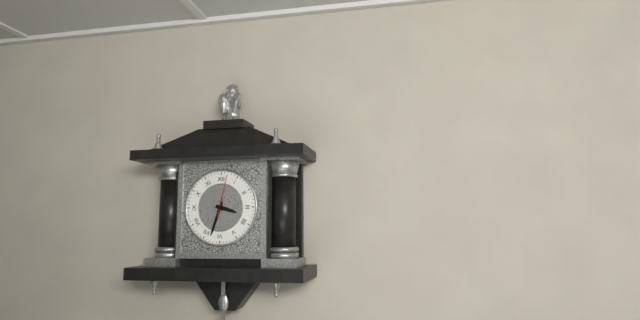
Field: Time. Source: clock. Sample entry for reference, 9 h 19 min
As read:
3 h 33 min
